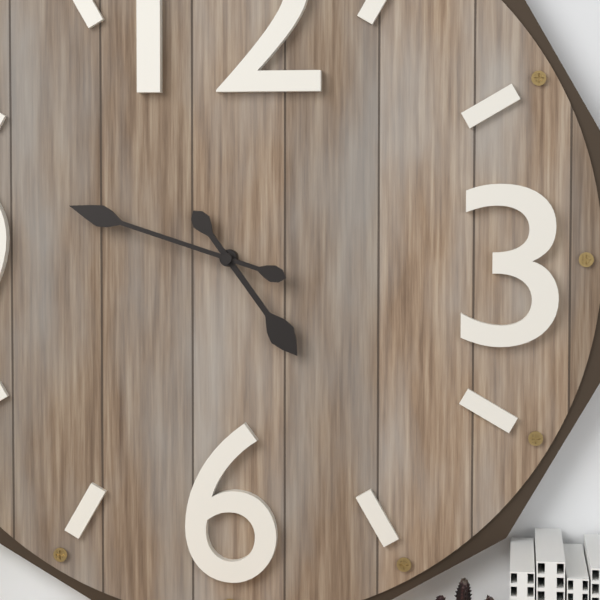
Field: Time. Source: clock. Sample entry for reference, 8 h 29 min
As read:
4 h 48 min
